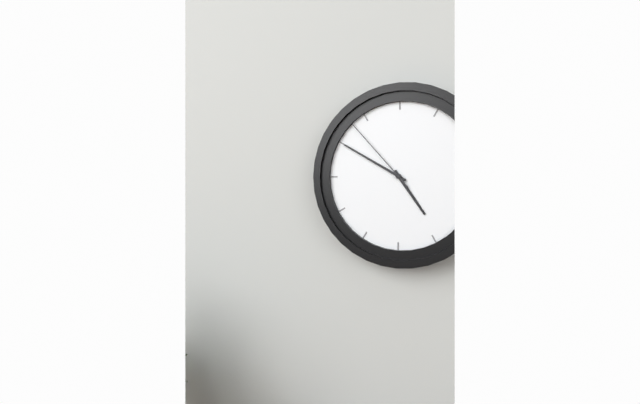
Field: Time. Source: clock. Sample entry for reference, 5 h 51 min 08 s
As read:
4 h 50 min 53 s
